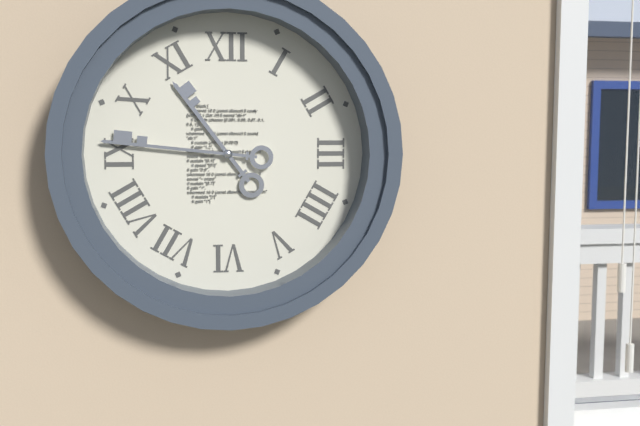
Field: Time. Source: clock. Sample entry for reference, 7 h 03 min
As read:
10 h 46 min
